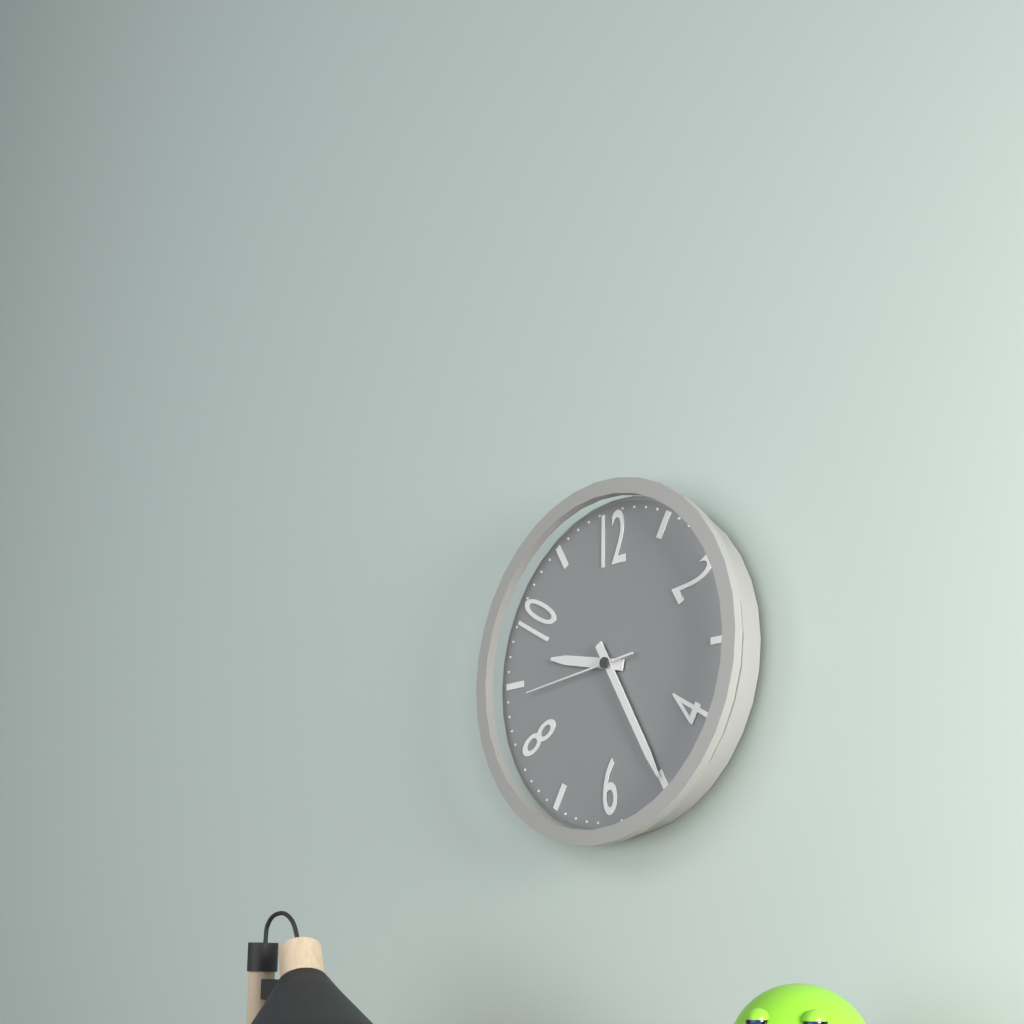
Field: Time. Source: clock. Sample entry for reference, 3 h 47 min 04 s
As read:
9 h 25 min 44 s
